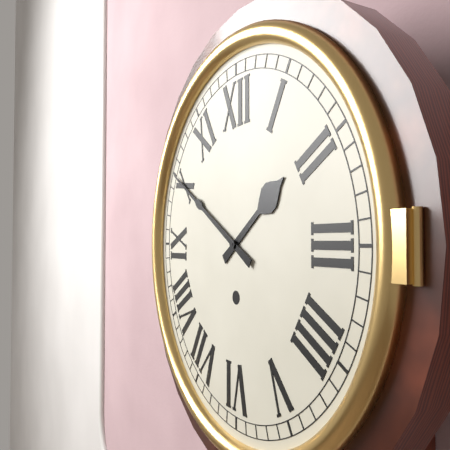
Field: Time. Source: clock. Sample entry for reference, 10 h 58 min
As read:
1 h 50 min
